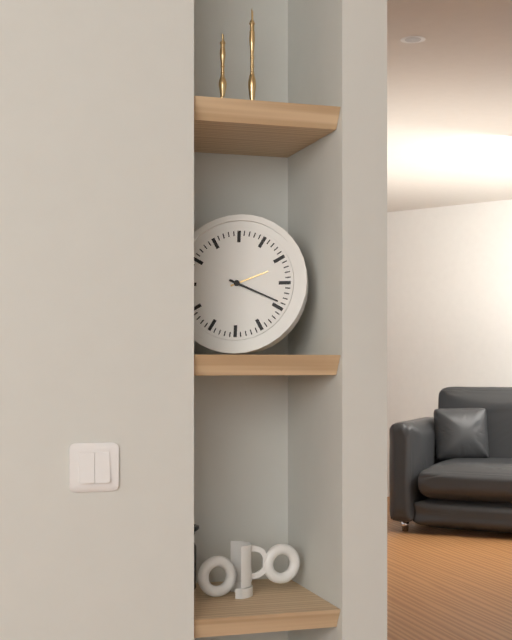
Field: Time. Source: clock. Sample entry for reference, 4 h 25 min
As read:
2 h 19 min
